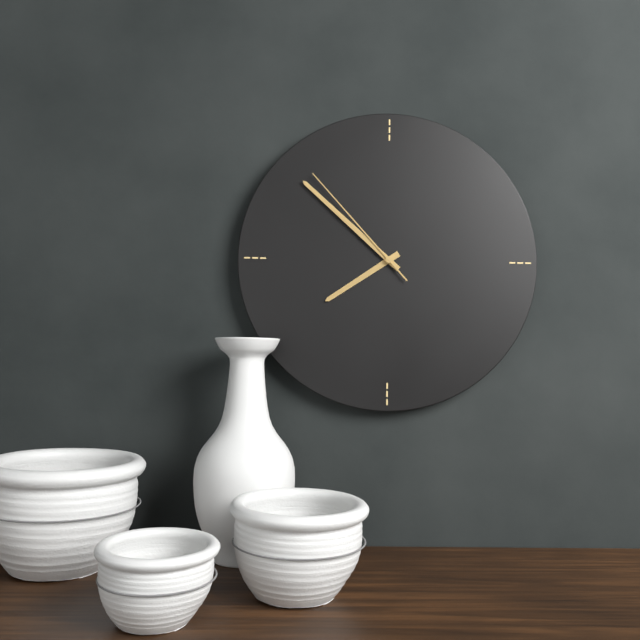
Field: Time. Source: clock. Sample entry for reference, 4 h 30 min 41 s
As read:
7 h 52 min 53 s
